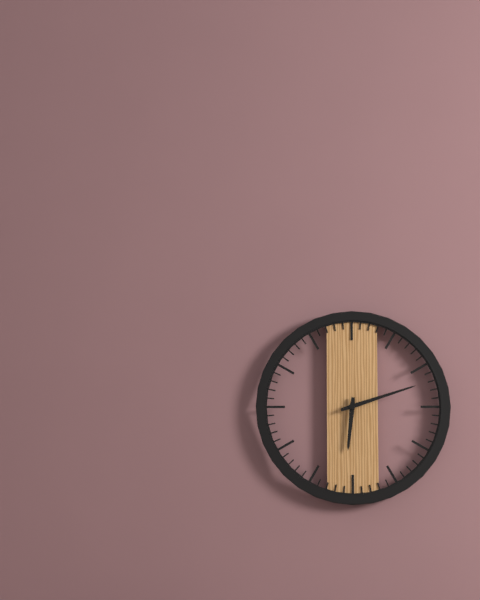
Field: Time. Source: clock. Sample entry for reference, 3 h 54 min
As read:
6 h 12 min
